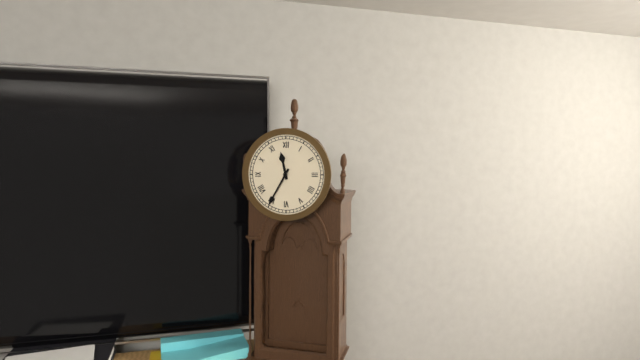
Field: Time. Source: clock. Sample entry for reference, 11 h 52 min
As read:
11 h 35 min
